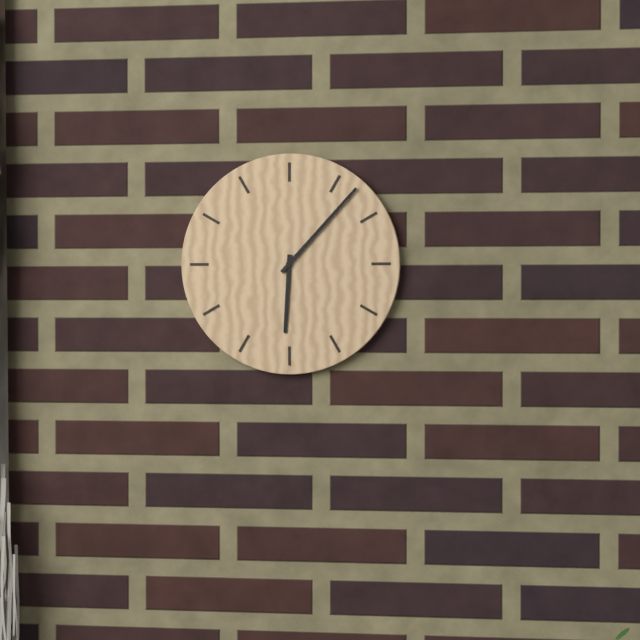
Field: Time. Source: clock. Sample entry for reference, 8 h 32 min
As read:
6 h 07 min
